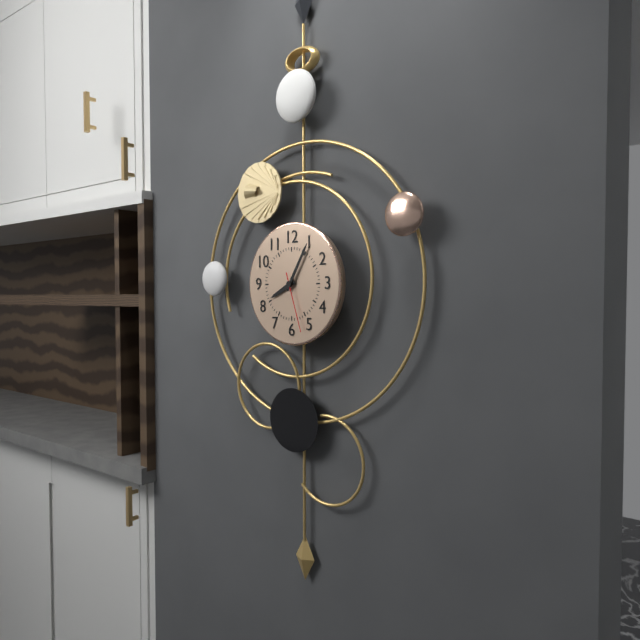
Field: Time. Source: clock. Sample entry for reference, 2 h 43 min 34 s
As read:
8 h 05 min 27 s
